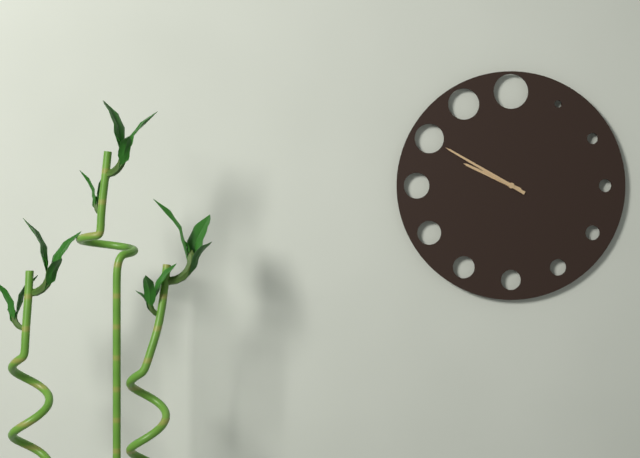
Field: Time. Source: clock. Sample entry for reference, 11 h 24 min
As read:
9 h 50 min
